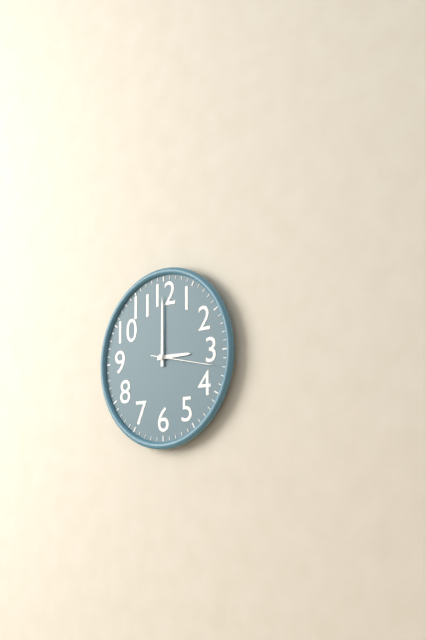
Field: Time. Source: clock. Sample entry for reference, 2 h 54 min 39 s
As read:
3 h 00 min 17 s
